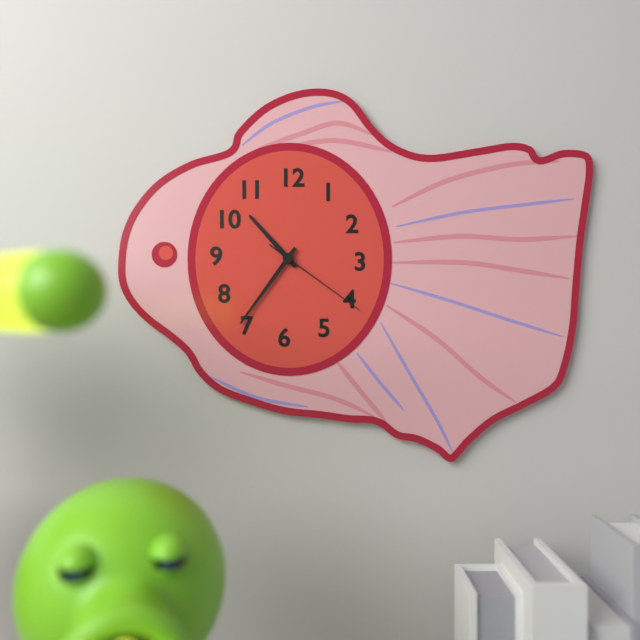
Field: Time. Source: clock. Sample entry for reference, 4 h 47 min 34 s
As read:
10 h 36 min 21 s
